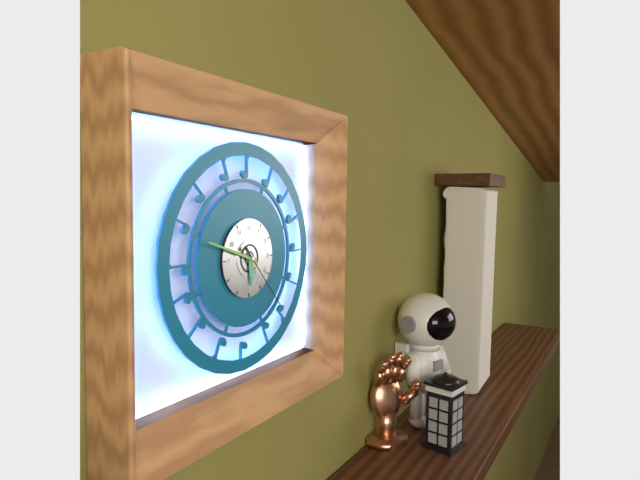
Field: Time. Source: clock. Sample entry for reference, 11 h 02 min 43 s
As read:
5 h 48 min 23 s
